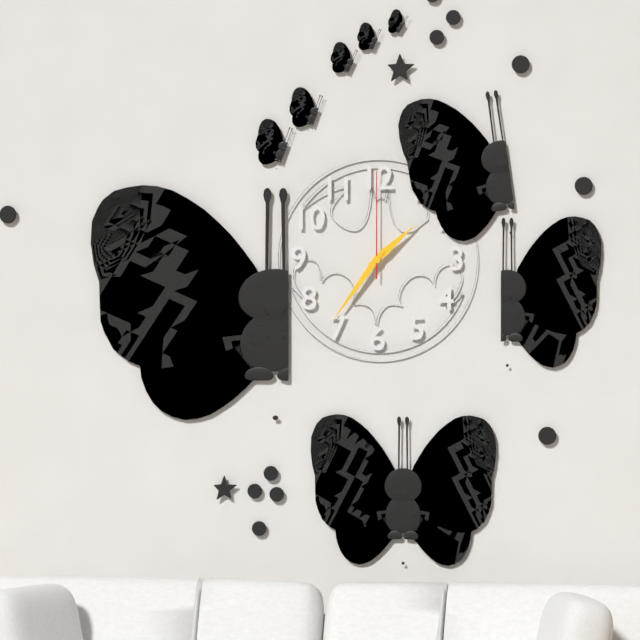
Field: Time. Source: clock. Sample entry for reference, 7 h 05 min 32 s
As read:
1 h 36 min 00 s
